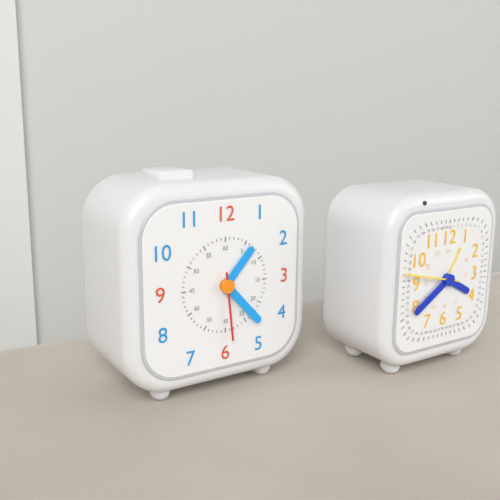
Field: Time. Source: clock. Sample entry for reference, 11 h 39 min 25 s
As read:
1 h 23 min 29 s
